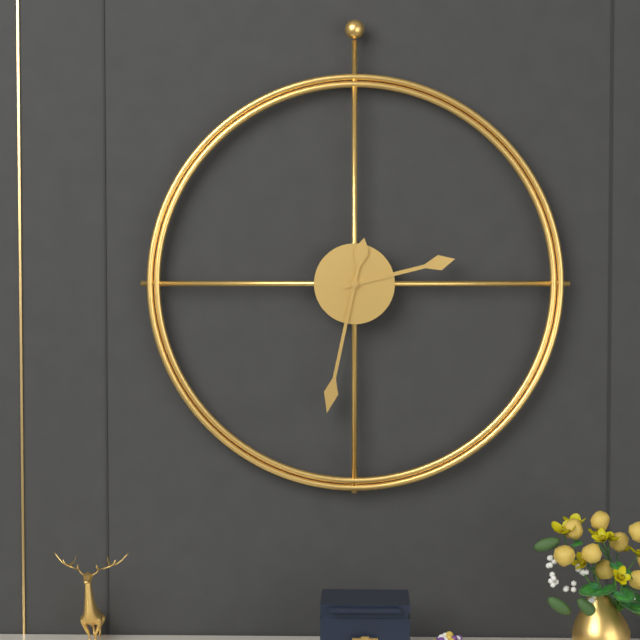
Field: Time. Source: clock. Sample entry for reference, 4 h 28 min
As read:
2 h 32 min
